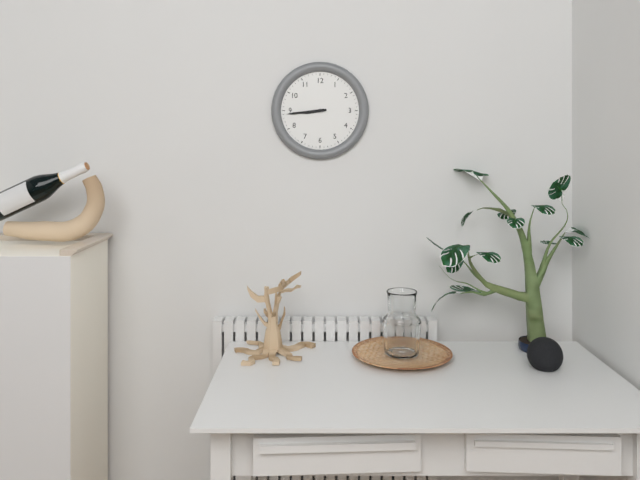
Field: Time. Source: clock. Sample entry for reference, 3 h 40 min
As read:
8 h 44 min
